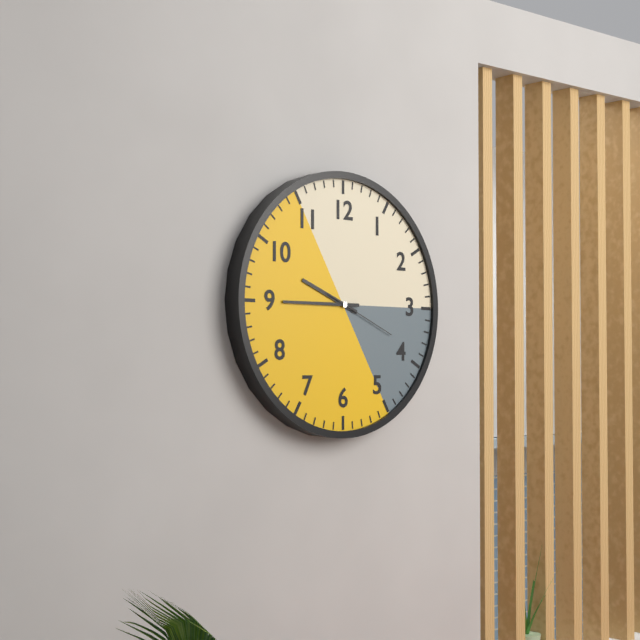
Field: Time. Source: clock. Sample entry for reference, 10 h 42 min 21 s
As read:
9 h 45 min 19 s
